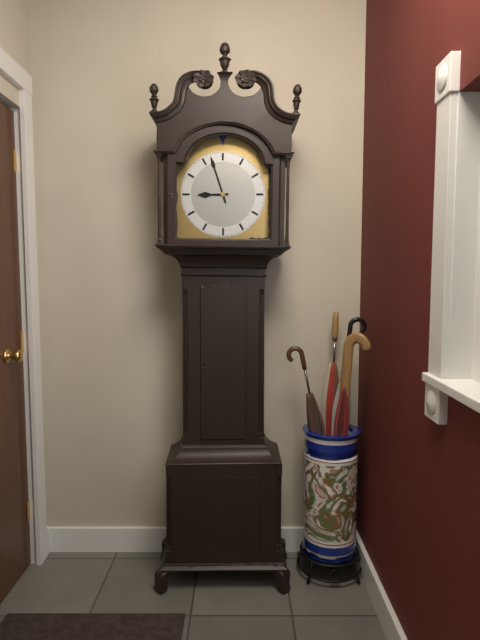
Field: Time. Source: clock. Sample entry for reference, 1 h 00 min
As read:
8 h 57 min
